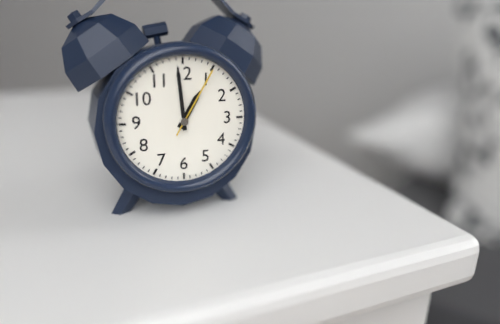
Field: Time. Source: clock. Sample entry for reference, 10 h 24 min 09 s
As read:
12 h 59 min 05 s
